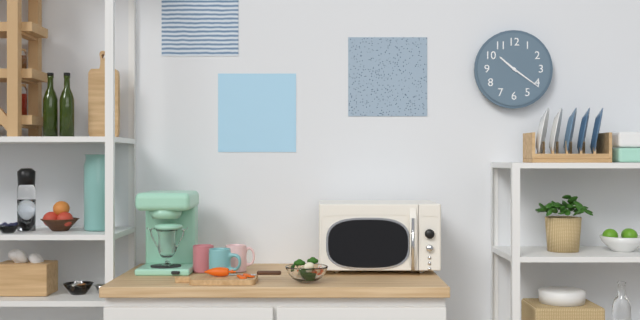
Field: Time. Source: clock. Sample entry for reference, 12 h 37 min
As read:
10 h 21 min
